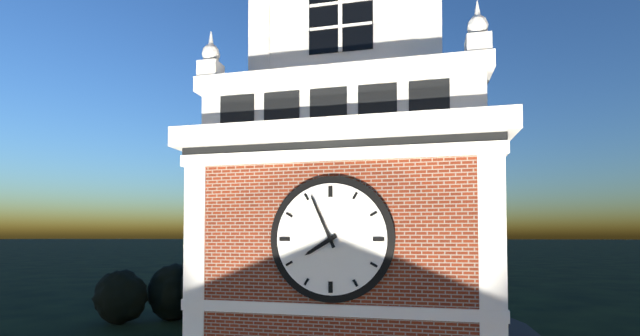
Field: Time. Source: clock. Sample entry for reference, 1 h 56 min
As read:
7 h 56 min
